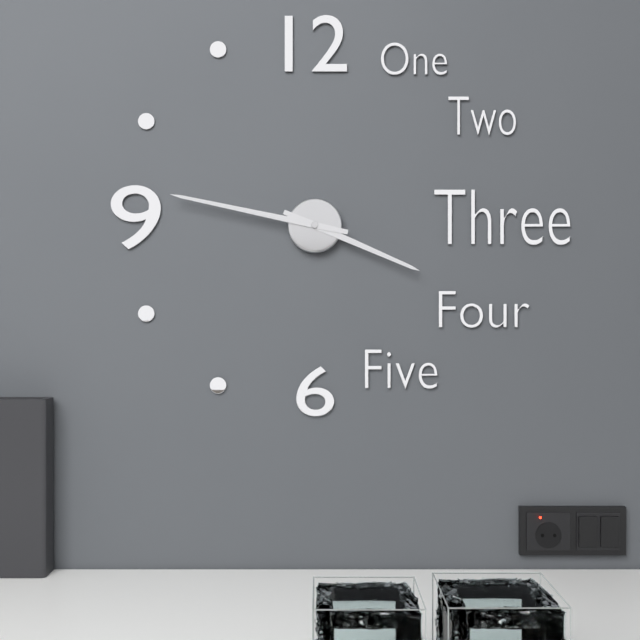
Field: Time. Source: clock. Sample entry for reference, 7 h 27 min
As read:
3 h 47 min
